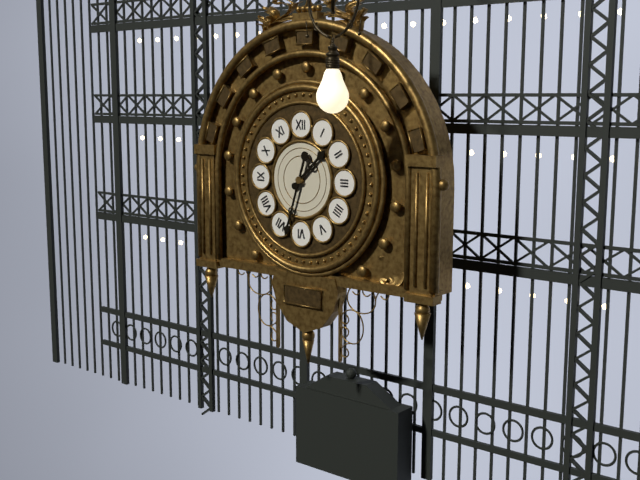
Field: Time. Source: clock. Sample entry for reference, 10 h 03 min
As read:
1 h 33 min
